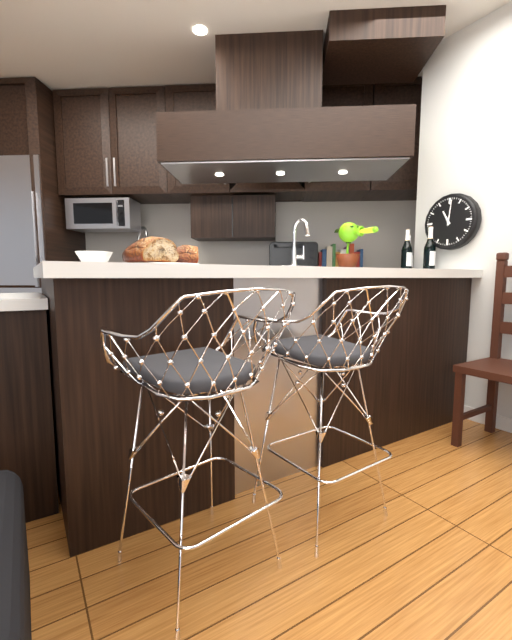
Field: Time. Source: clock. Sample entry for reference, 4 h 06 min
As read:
11 h 01 min
